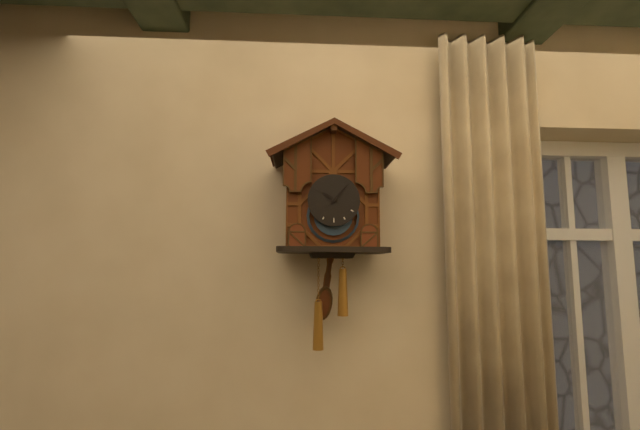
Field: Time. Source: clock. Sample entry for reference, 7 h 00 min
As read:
10 h 07 min
